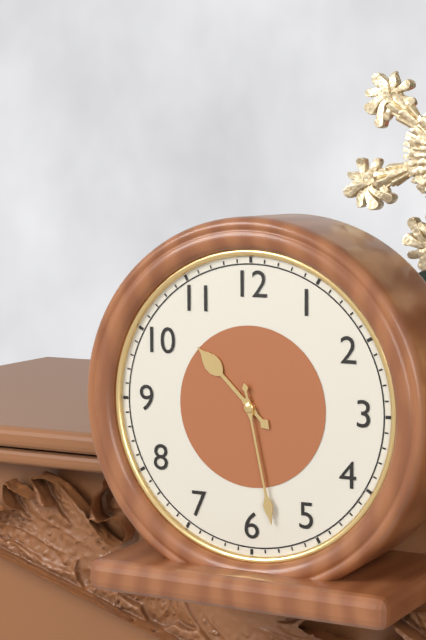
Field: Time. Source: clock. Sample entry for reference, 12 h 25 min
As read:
10 h 28 min
